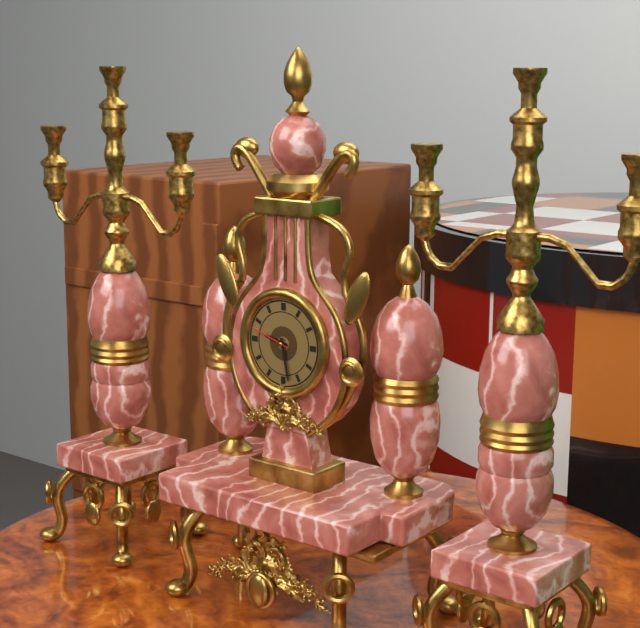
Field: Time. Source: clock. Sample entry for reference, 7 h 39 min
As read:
9 h 28 min
